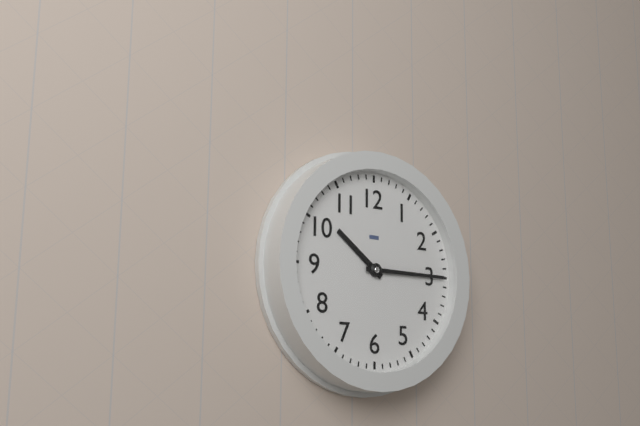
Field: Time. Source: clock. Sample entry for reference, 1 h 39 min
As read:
10 h 15 min
